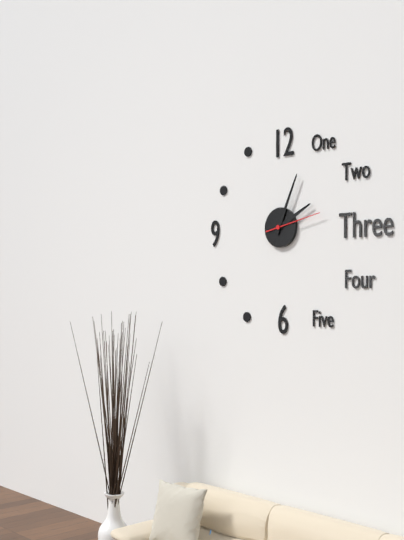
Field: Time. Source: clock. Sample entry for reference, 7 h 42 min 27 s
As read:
2 h 04 min 13 s
